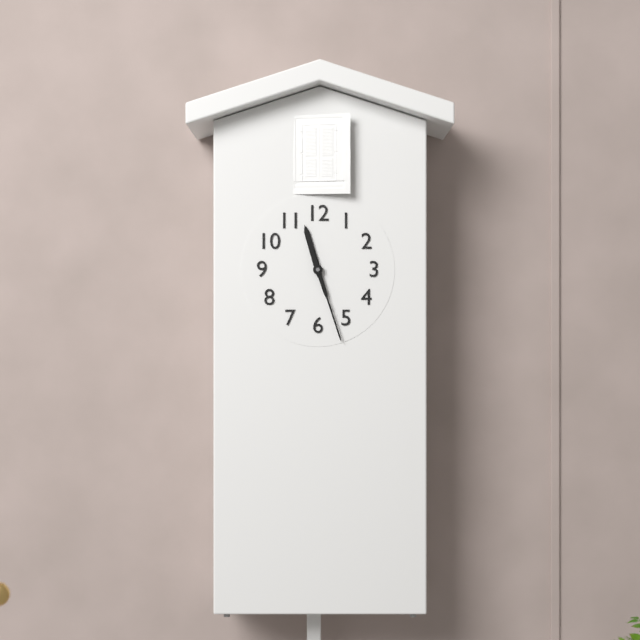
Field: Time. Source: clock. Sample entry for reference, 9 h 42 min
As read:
11 h 27 min
